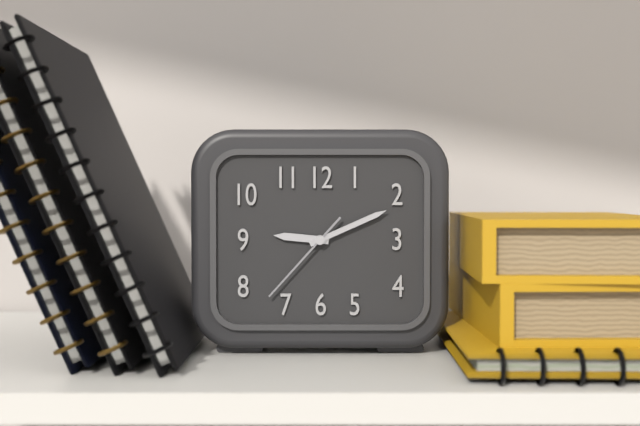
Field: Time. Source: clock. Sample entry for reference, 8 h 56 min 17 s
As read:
9 h 11 min 37 s
